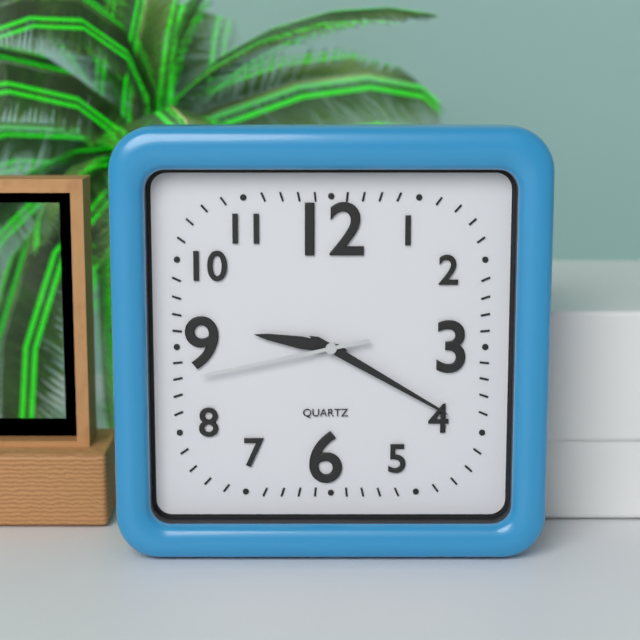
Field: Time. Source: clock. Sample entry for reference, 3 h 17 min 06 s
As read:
9 h 20 min 43 s
